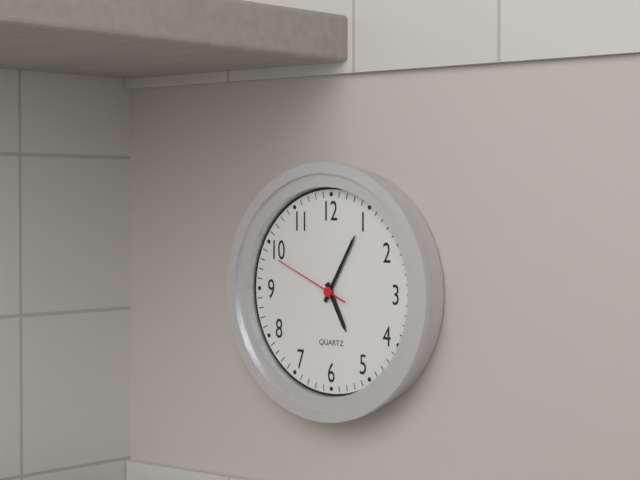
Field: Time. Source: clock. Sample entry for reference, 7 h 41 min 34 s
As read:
5 h 05 min 49 s
